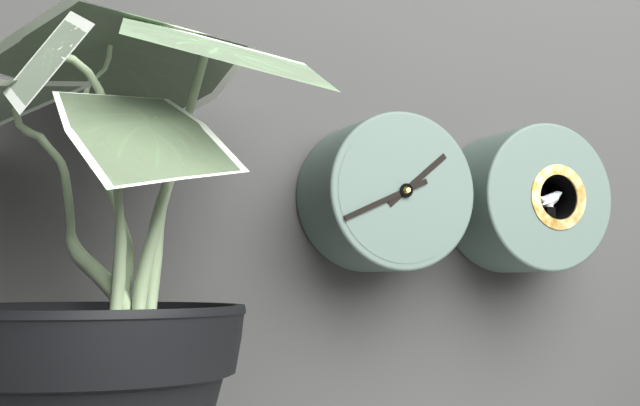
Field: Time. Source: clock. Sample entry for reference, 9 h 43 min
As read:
1 h 41 min
